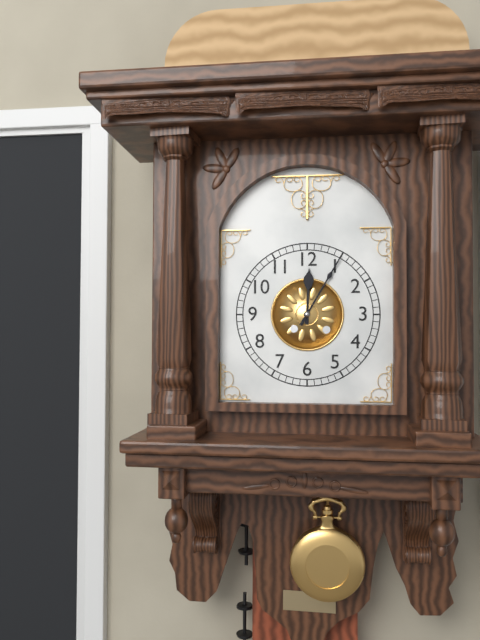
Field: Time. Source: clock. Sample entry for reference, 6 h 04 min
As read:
12 h 05 min
